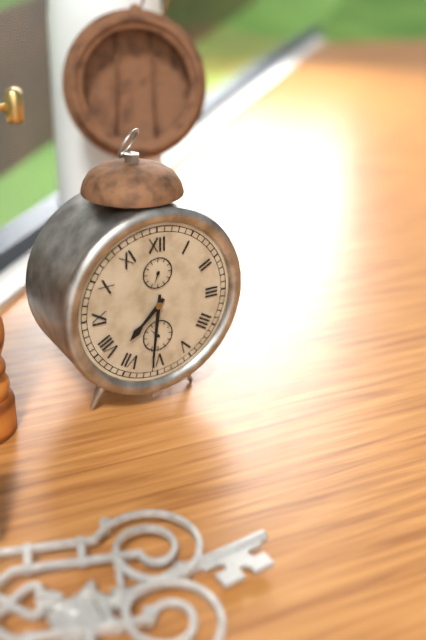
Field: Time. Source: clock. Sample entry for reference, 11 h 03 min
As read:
7 h 31 min
